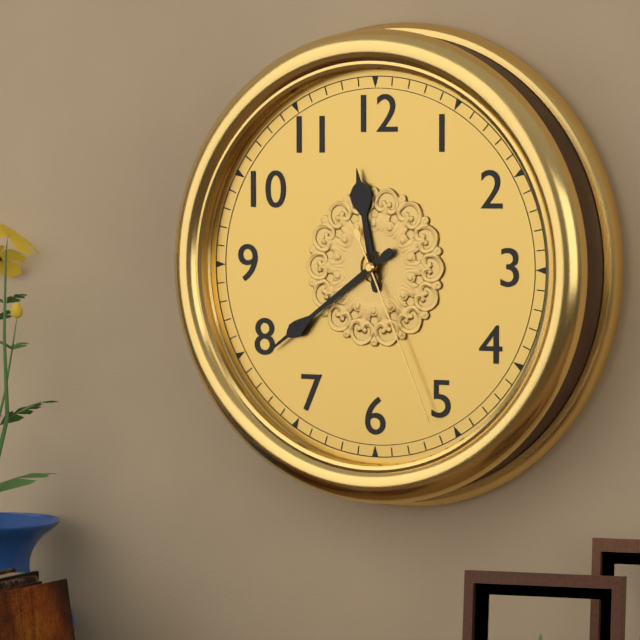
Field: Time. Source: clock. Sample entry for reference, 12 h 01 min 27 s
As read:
11 h 39 min 26 s
